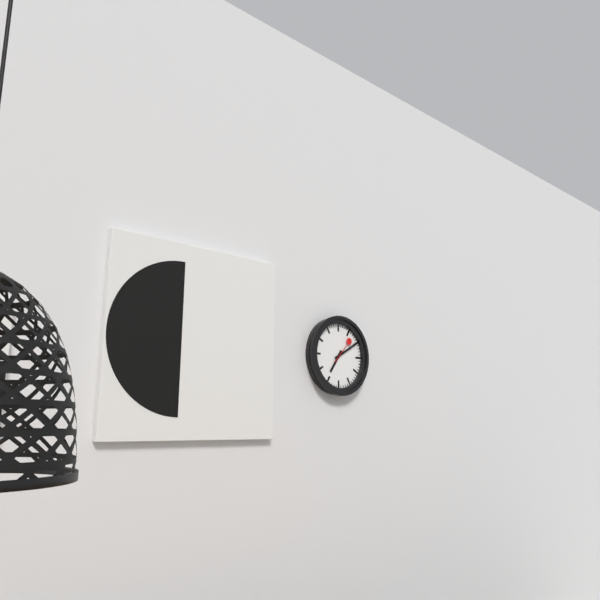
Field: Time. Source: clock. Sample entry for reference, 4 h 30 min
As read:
7 h 10 min
